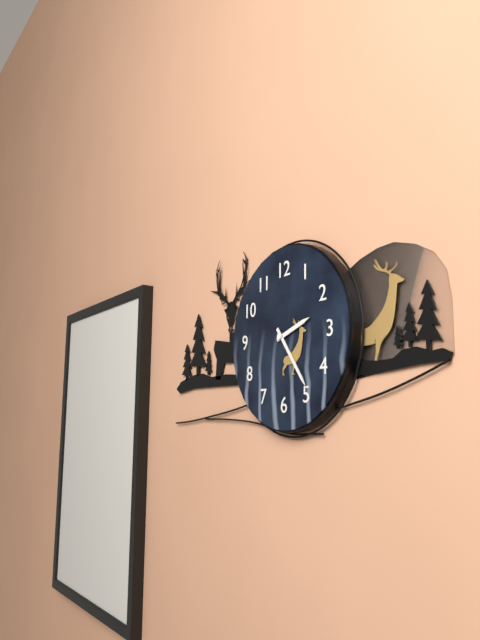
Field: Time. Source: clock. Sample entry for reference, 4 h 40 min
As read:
2 h 24 min
